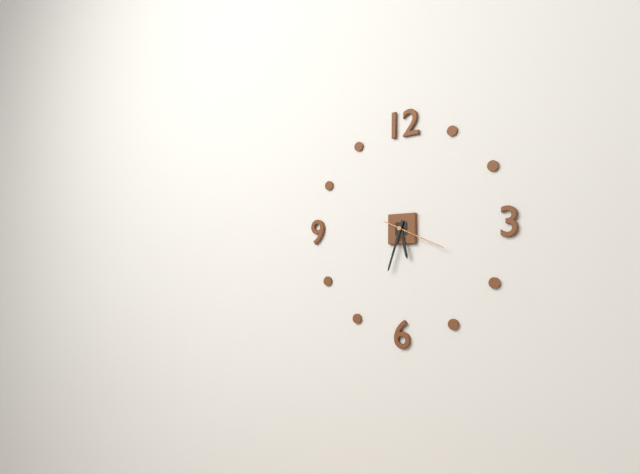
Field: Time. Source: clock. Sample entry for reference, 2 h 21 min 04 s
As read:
5 h 33 min 19 s
